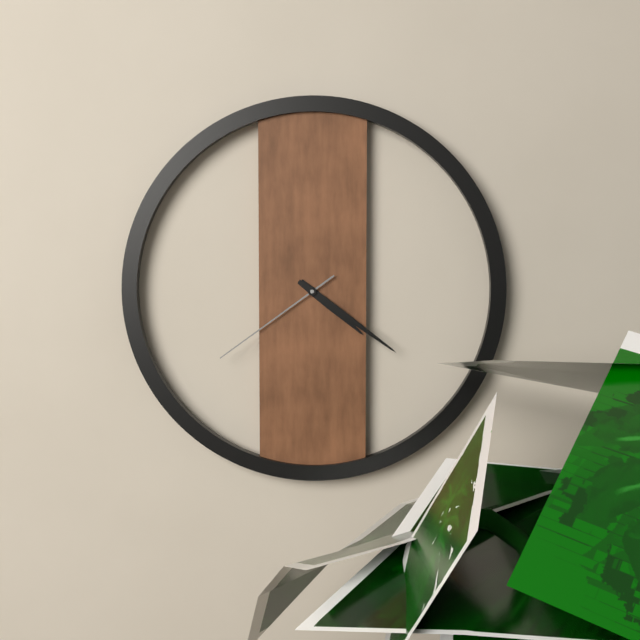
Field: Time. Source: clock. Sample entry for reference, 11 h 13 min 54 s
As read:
4 h 21 min 39 s
